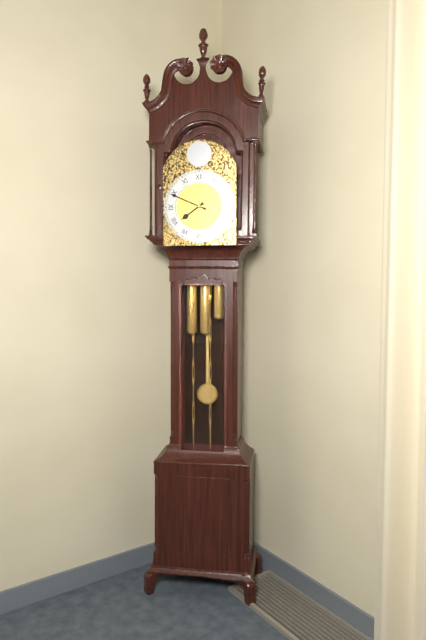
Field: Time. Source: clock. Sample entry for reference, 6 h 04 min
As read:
7 h 49 min
